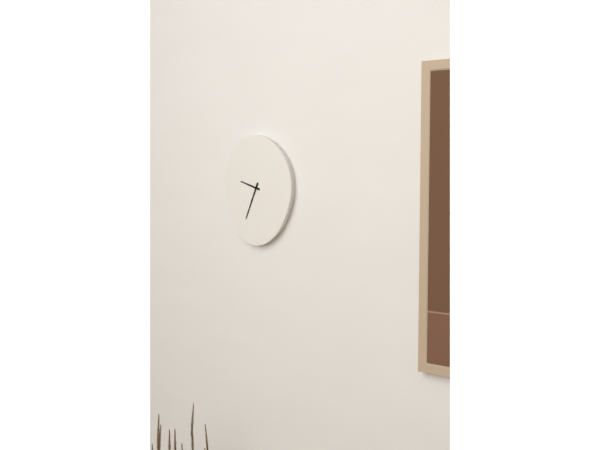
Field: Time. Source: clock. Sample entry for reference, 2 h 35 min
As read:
9 h 34 min
